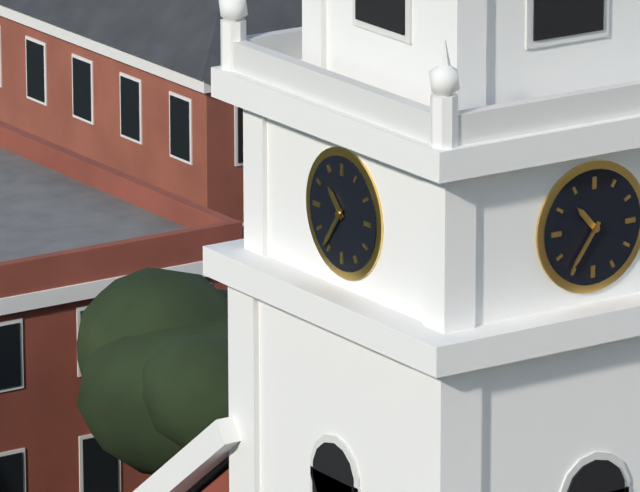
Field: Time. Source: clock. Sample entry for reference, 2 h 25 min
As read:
10 h 36 min
